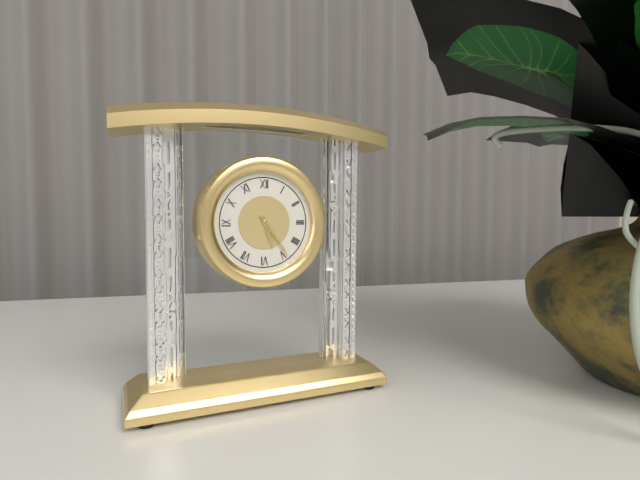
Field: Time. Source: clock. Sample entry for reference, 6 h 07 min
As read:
5 h 24 min
